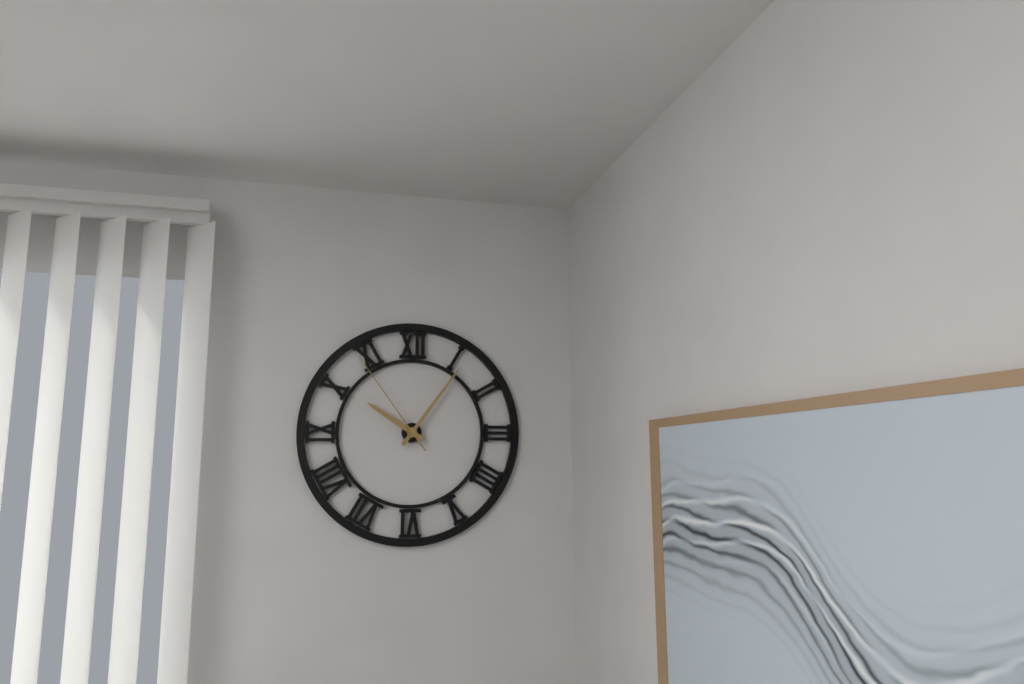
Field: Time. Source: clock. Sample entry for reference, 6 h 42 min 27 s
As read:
10 h 06 min 54 s
